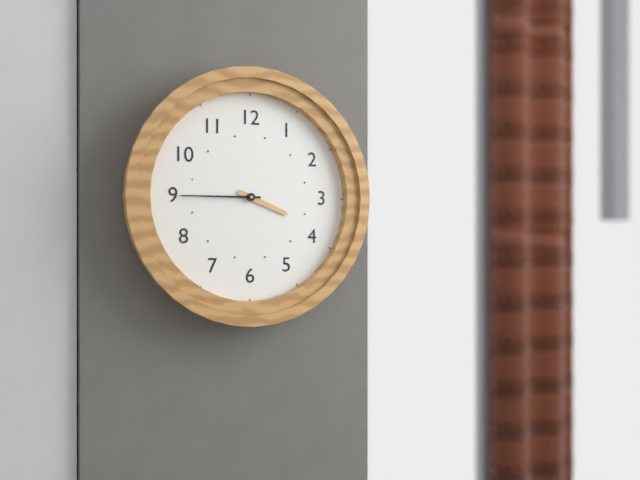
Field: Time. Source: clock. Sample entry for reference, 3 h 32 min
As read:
3 h 45 min
